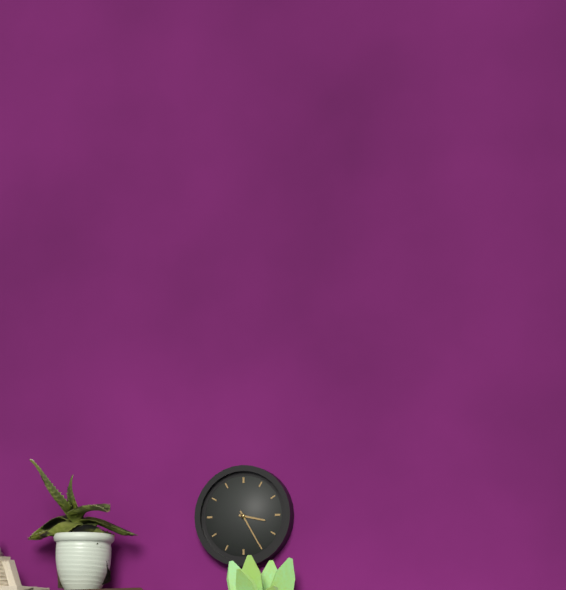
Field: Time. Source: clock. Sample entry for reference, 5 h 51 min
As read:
3 h 25 min
